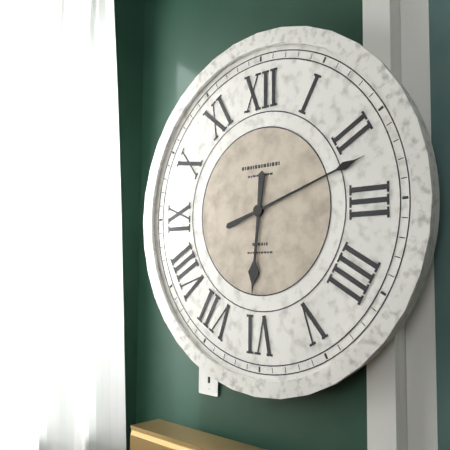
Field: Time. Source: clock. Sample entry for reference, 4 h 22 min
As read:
6 h 12 min
